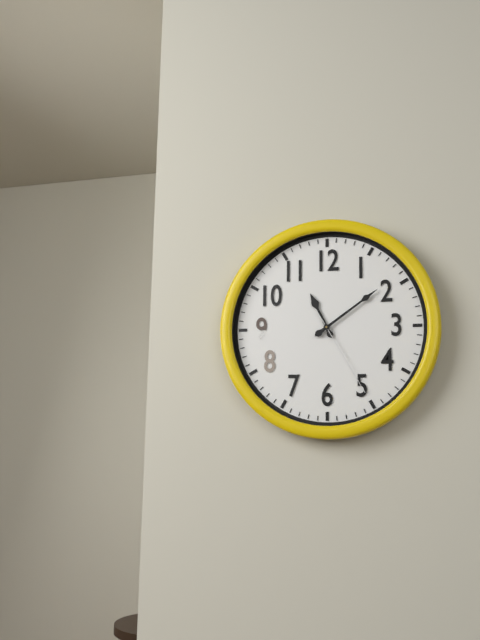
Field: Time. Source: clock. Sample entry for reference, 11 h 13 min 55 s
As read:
11 h 09 min 25 s
